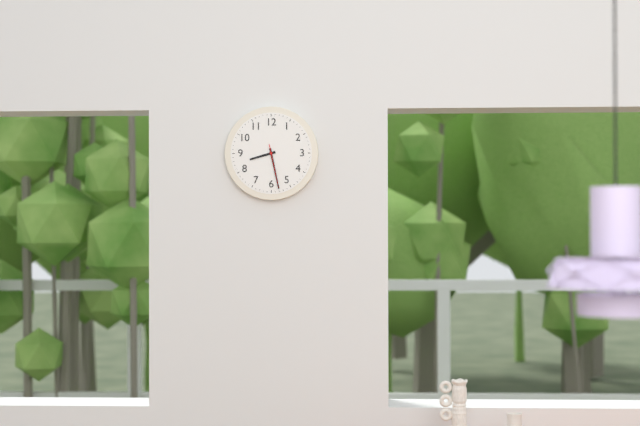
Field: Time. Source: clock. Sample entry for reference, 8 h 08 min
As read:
8 h 28 min
